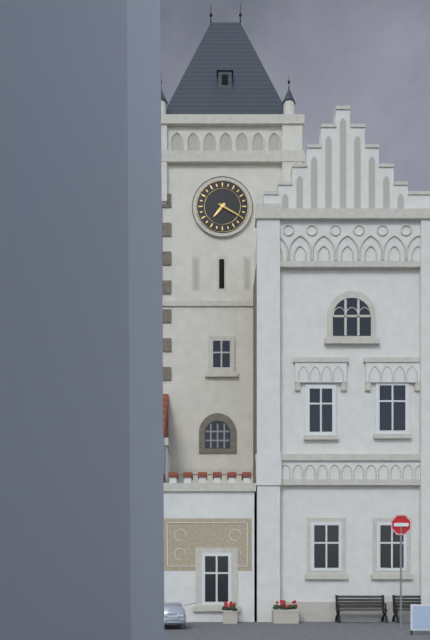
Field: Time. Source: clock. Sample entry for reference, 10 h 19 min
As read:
7 h 20 min
